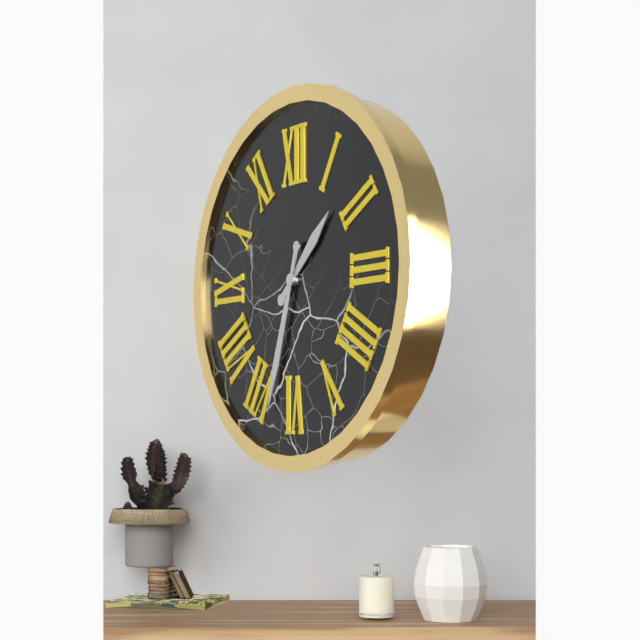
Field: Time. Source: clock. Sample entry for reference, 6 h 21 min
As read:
1 h 33 min
